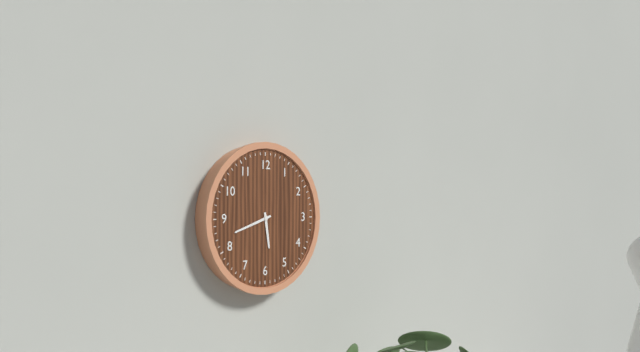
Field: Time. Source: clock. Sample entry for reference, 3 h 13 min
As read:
5 h 42 min
